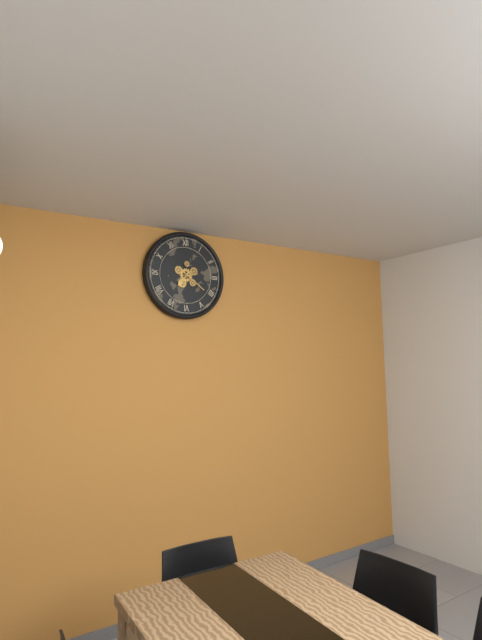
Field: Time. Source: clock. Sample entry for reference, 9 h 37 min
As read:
7 h 21 min
